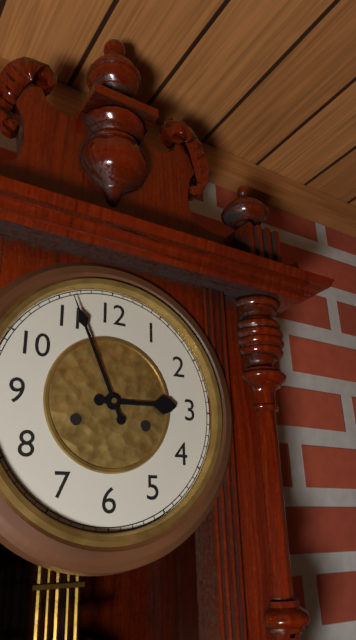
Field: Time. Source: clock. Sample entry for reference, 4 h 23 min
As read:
2 h 56 min
